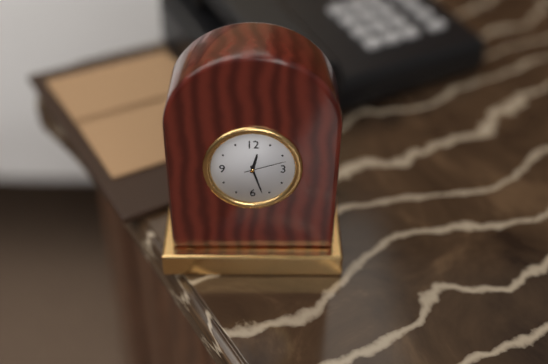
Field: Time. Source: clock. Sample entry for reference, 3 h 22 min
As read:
12 h 27 min
